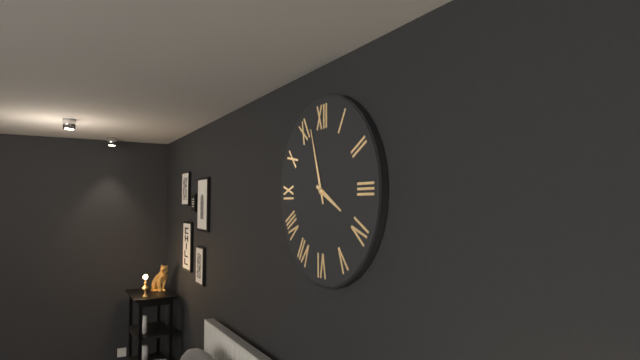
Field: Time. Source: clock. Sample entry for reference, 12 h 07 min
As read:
3 h 57 min
